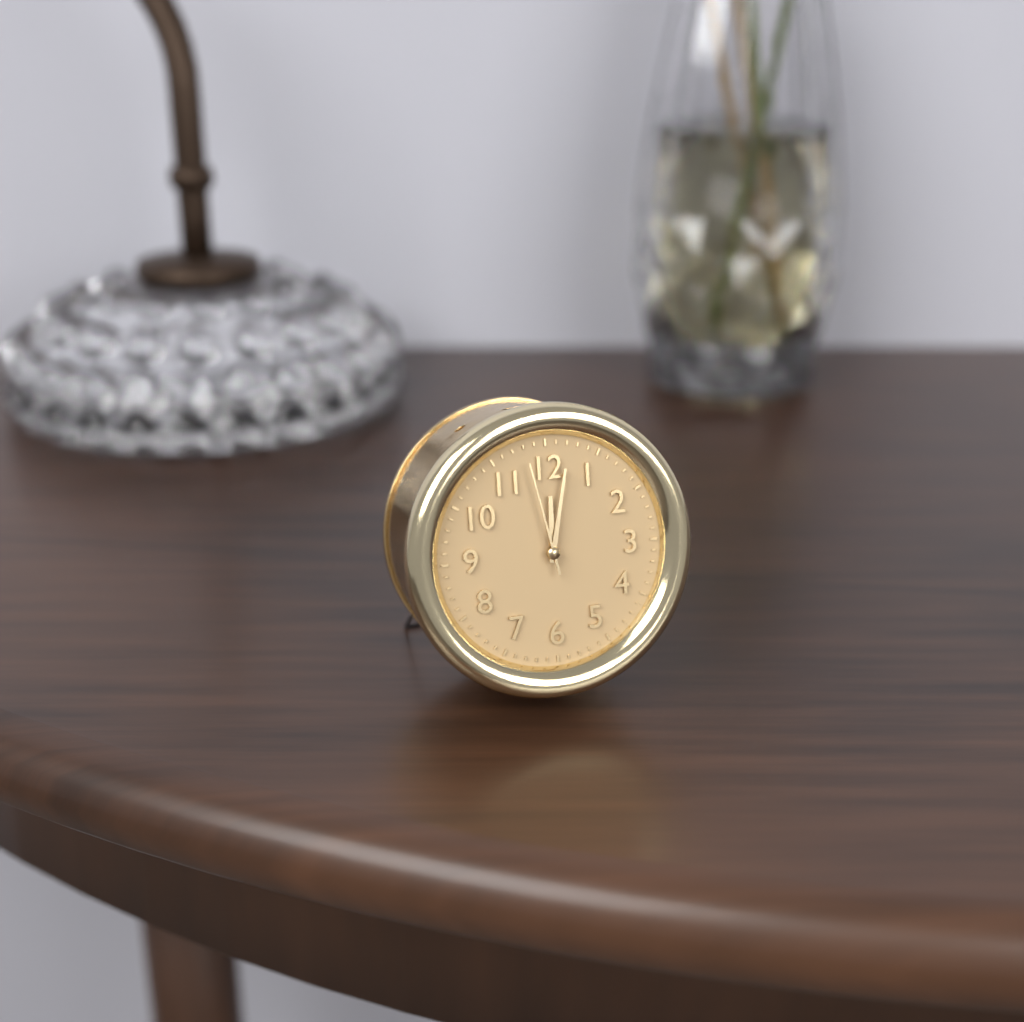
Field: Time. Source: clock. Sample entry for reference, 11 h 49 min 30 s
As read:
12 h 02 min 58 s
